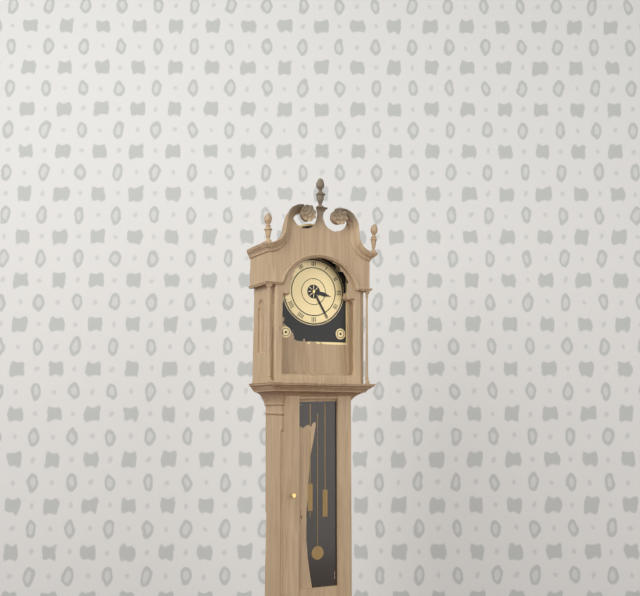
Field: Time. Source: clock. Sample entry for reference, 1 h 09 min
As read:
3 h 25 min
